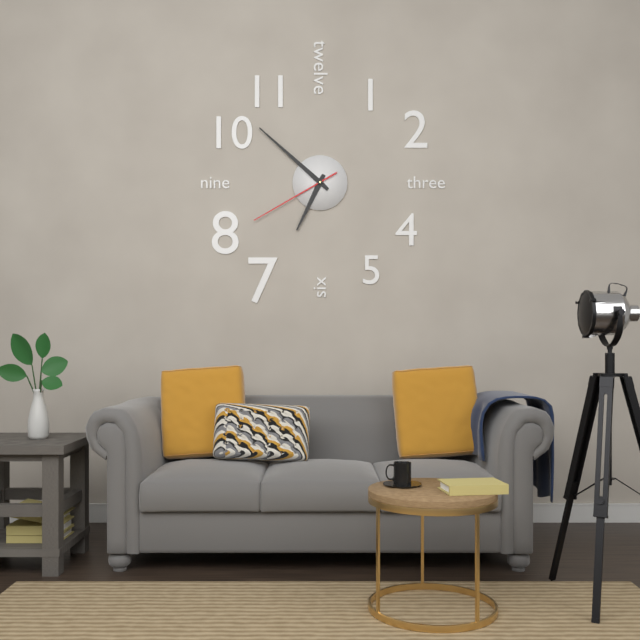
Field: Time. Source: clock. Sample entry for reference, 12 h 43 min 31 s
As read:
6 h 52 min 40 s
